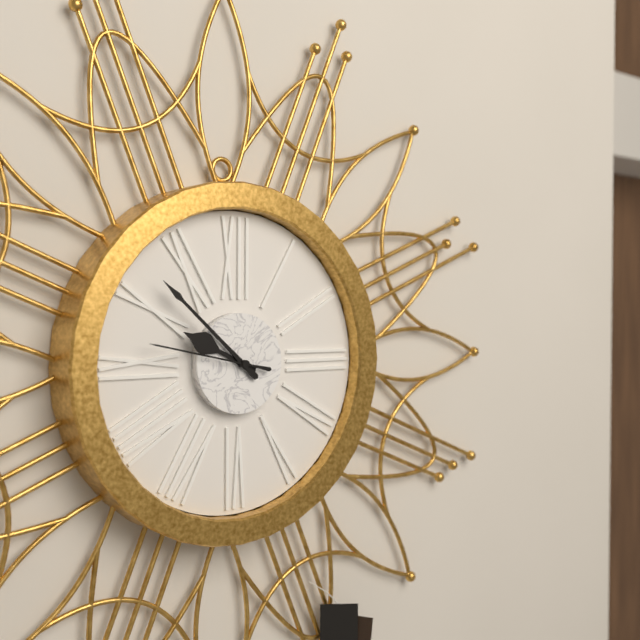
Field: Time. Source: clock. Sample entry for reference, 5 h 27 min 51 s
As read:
9 h 52 min 47 s
